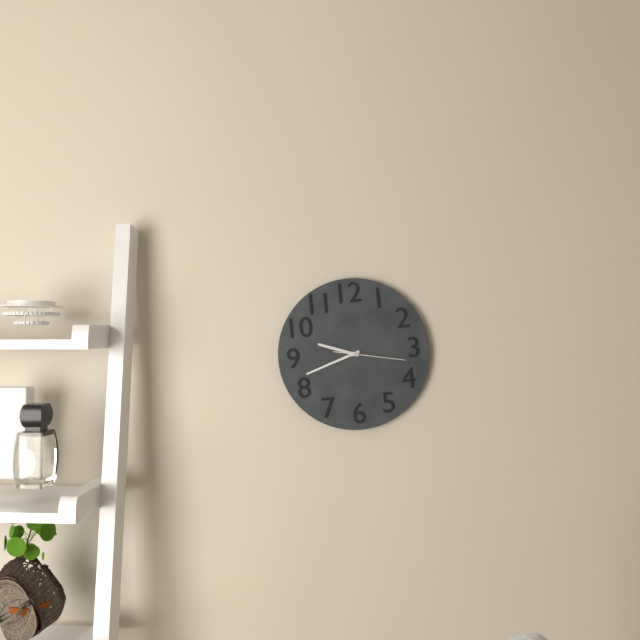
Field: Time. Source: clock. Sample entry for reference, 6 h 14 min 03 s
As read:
9 h 42 min 17 s
